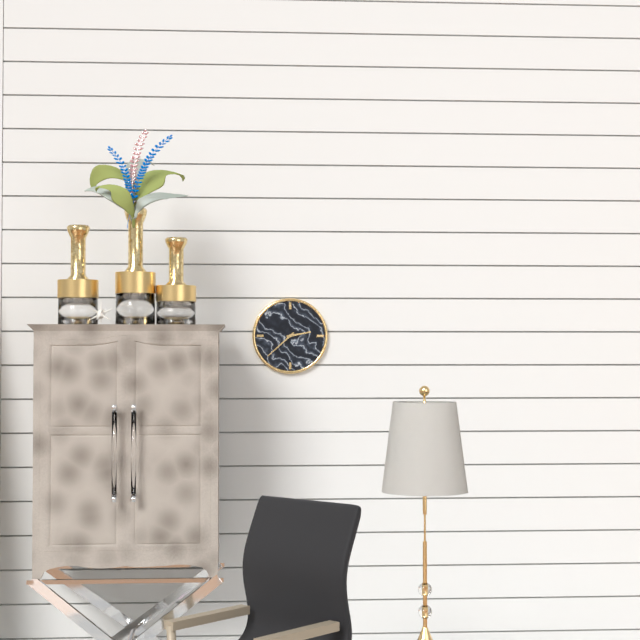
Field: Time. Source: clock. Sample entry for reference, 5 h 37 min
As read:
2 h 38 min
